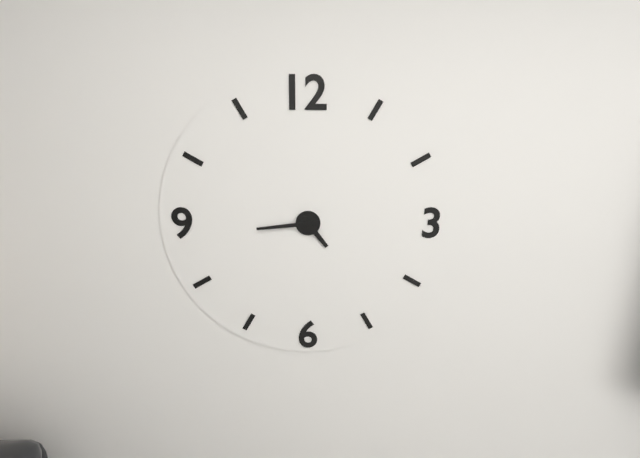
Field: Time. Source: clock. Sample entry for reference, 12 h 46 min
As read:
4 h 44 min
